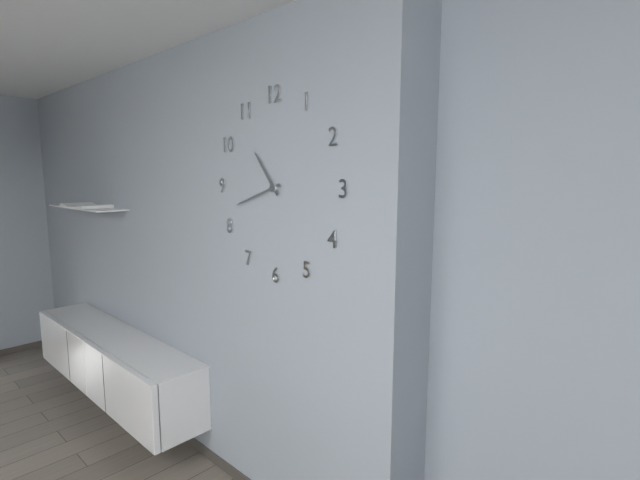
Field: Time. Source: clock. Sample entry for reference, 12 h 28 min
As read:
10 h 42 min
